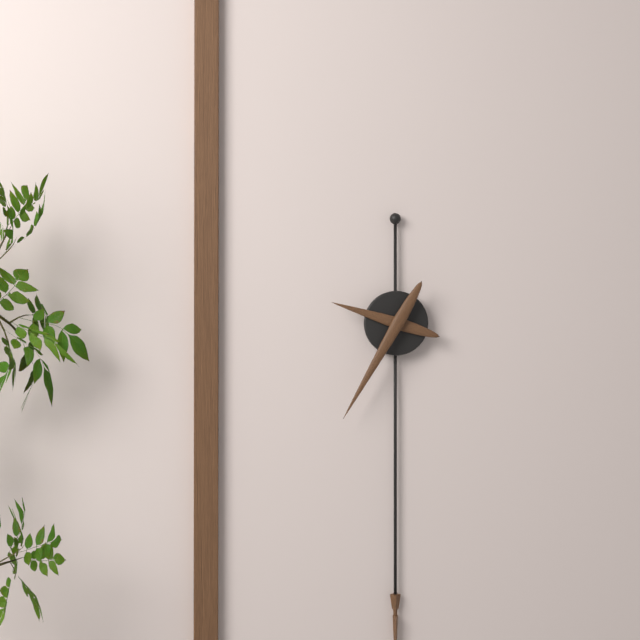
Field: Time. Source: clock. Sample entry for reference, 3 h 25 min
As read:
9 h 35 min
